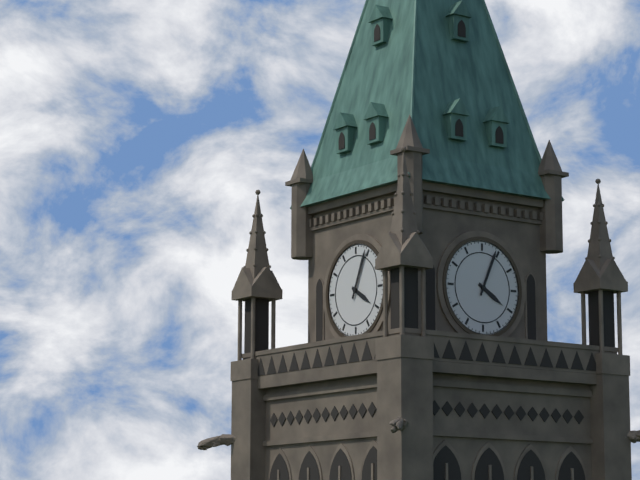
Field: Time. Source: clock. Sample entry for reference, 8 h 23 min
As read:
4 h 04 min
